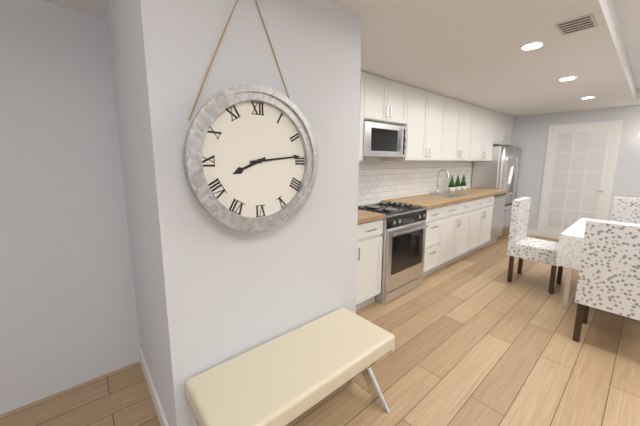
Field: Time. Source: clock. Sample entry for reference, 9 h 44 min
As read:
8 h 14 min
